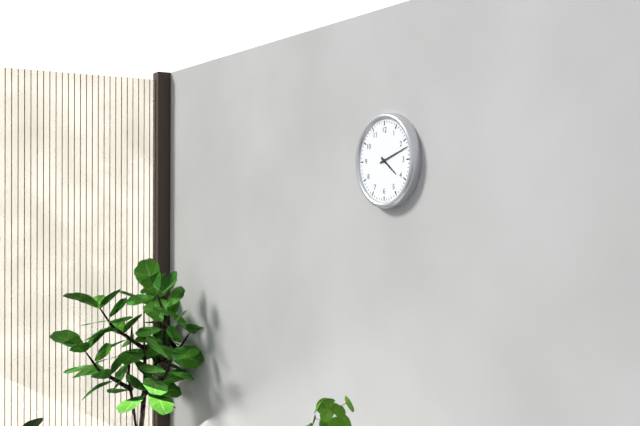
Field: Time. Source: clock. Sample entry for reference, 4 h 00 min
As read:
4 h 12 min
